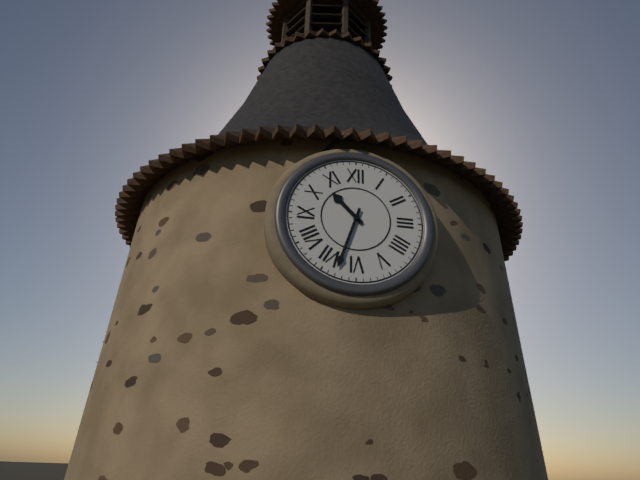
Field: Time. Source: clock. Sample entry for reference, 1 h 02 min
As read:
10 h 33 min
